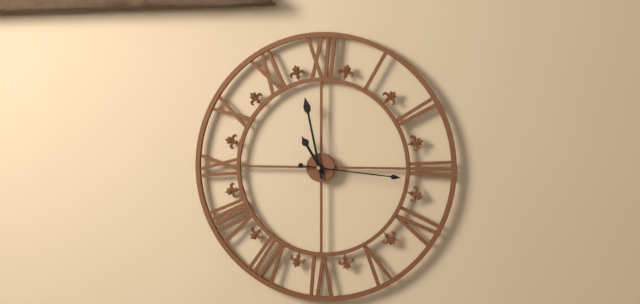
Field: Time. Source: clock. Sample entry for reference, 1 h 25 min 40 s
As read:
10 h 58 min 16 s
